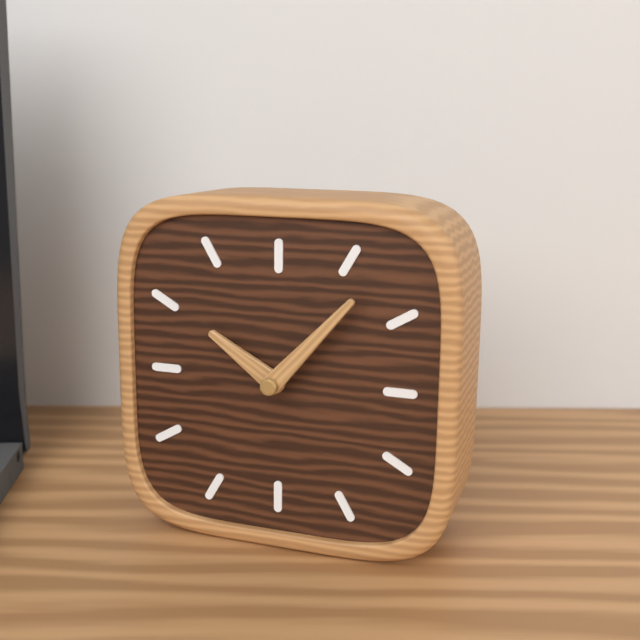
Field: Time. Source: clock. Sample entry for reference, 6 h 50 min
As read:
10 h 07 min
